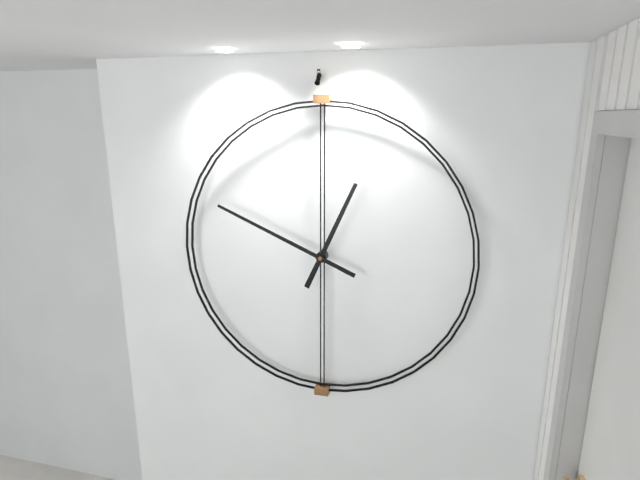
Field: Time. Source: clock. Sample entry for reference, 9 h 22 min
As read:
12 h 49 min
